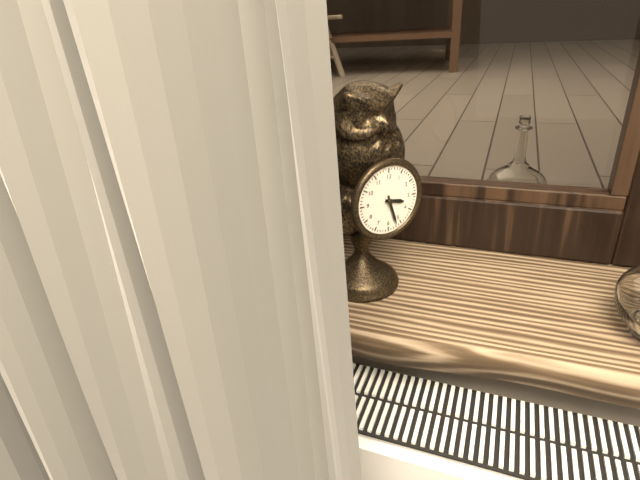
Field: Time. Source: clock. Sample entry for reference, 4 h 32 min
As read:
3 h 27 min
